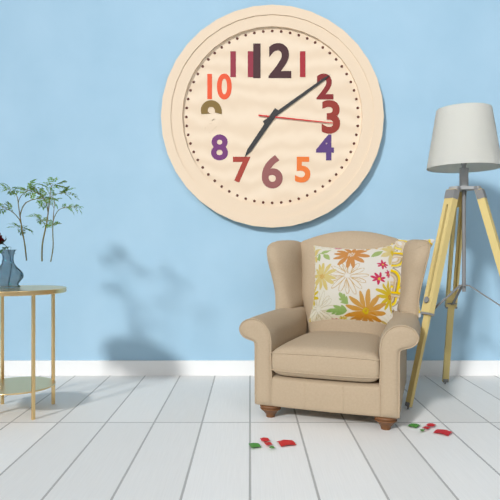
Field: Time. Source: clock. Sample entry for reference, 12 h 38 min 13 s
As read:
7 h 09 min 16 s
